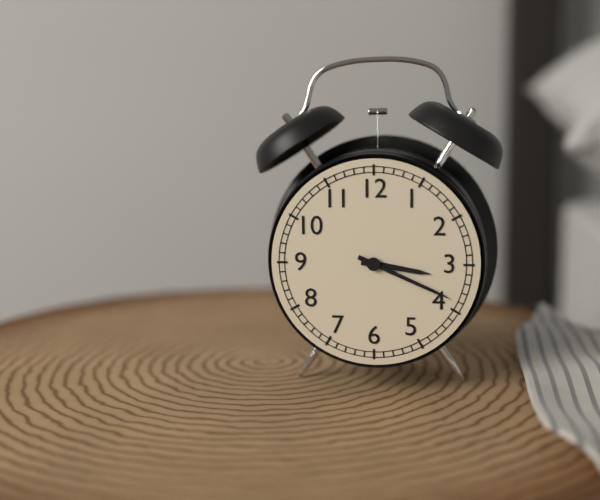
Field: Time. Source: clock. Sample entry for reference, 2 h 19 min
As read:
3 h 19 min
